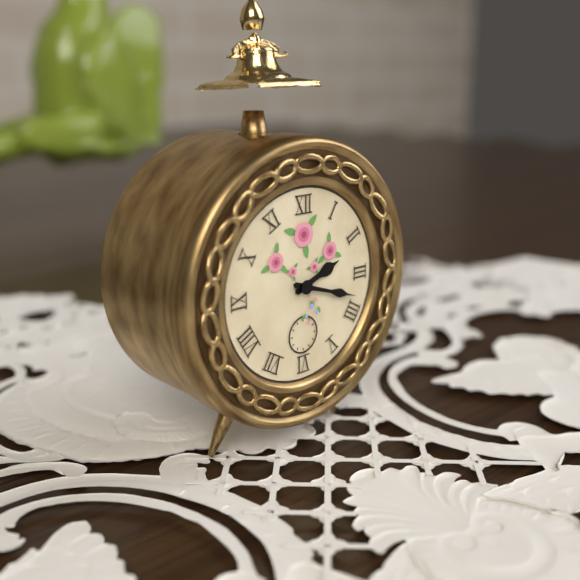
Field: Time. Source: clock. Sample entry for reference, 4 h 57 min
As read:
2 h 18 min
